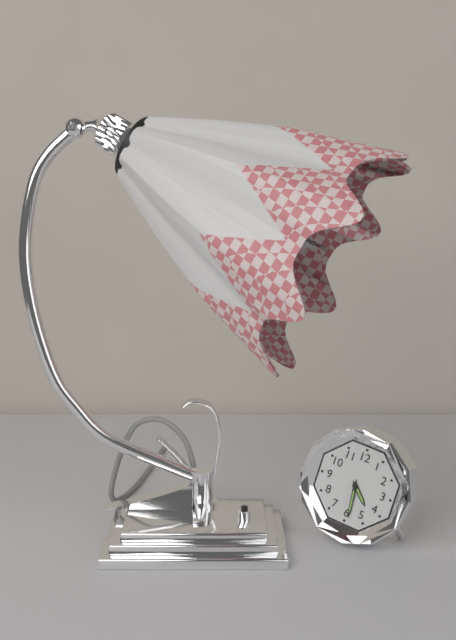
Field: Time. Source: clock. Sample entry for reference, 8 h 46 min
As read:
4 h 29 min
